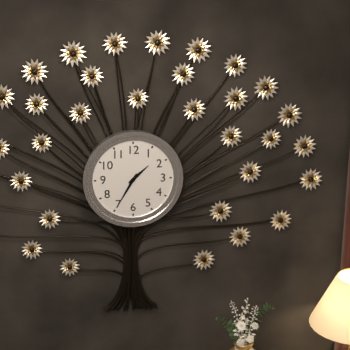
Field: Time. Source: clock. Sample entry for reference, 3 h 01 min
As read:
1 h 35 min
